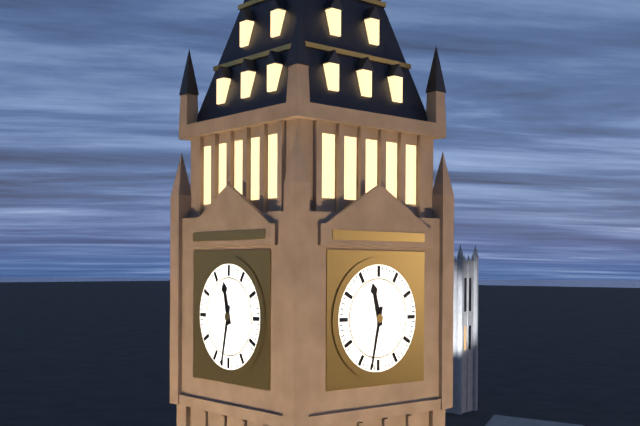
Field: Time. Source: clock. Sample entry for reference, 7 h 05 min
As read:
11 h 32 min
